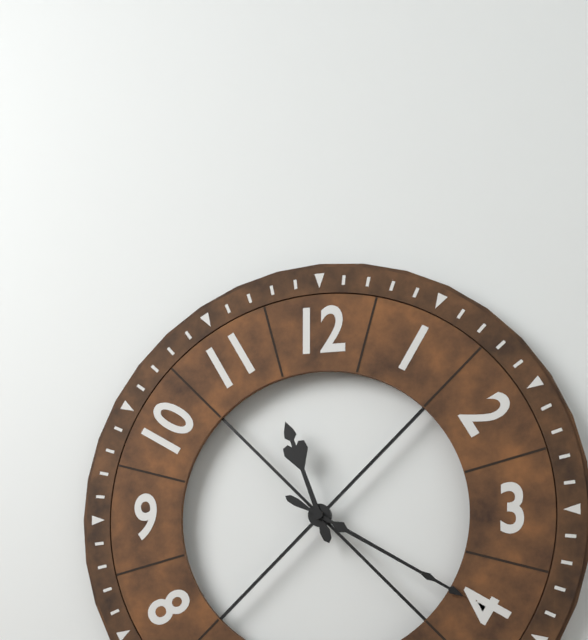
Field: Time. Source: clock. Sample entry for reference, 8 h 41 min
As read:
11 h 20 min
